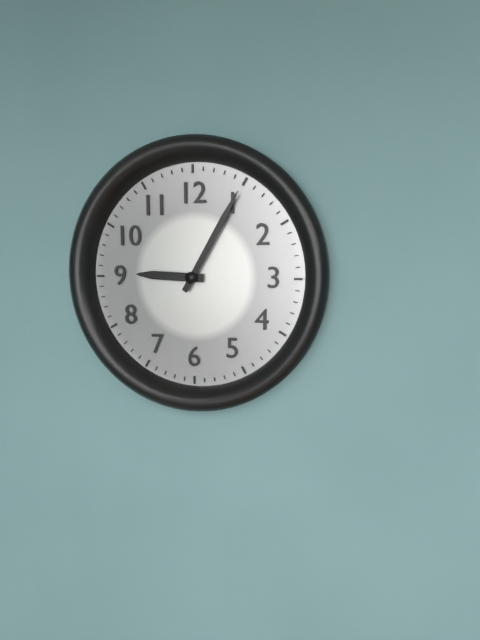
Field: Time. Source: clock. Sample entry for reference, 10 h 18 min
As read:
9 h 05 min
